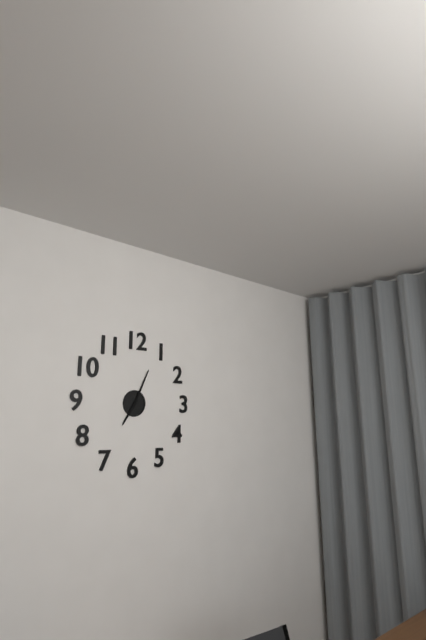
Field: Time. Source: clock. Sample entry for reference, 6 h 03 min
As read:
7 h 04 min
